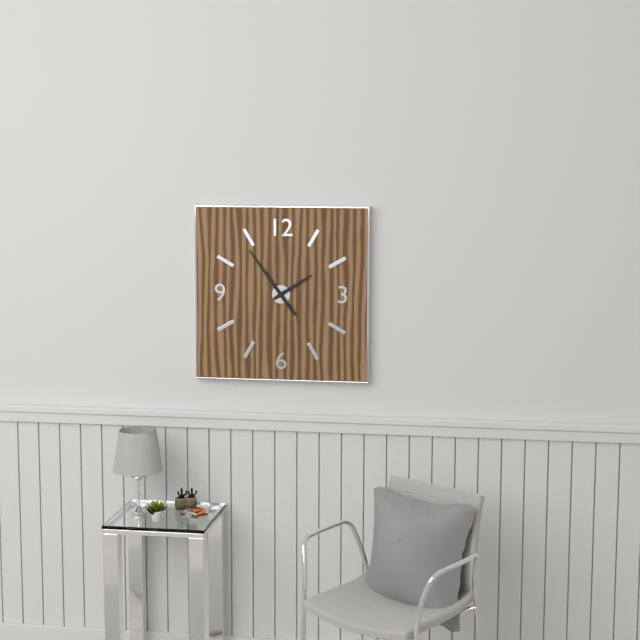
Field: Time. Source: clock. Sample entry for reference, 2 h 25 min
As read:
1 h 54 min
